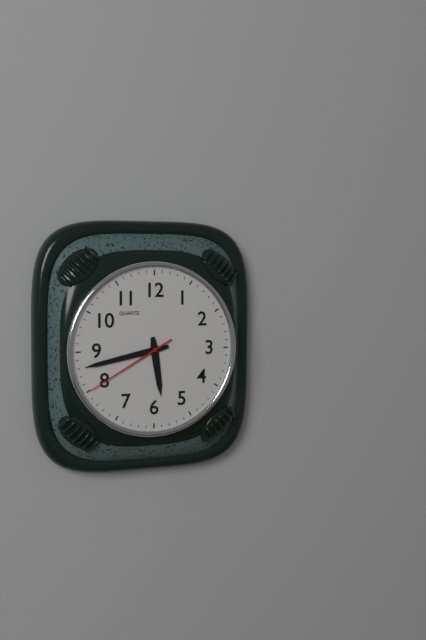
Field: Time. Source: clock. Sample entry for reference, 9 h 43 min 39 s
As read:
5 h 43 min 40 s
